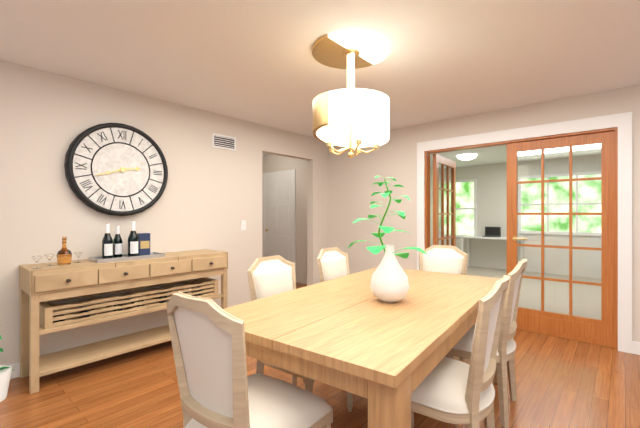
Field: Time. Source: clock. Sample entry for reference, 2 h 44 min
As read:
2 h 42 min
